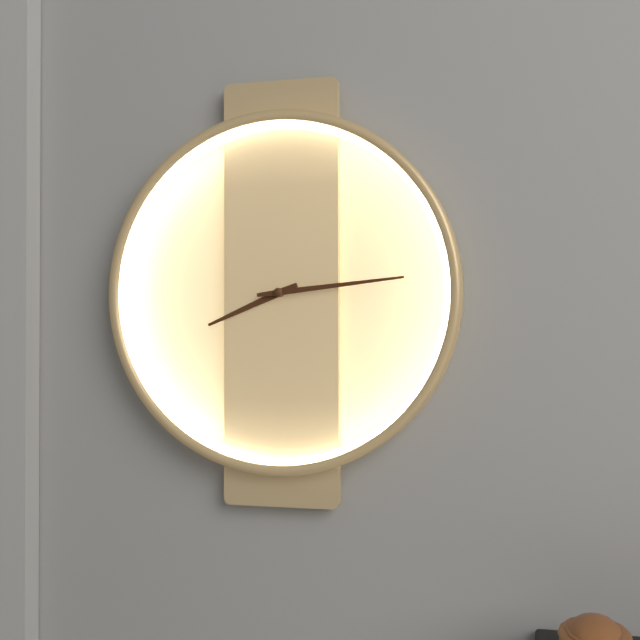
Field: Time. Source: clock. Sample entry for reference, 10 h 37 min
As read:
8 h 14 min
